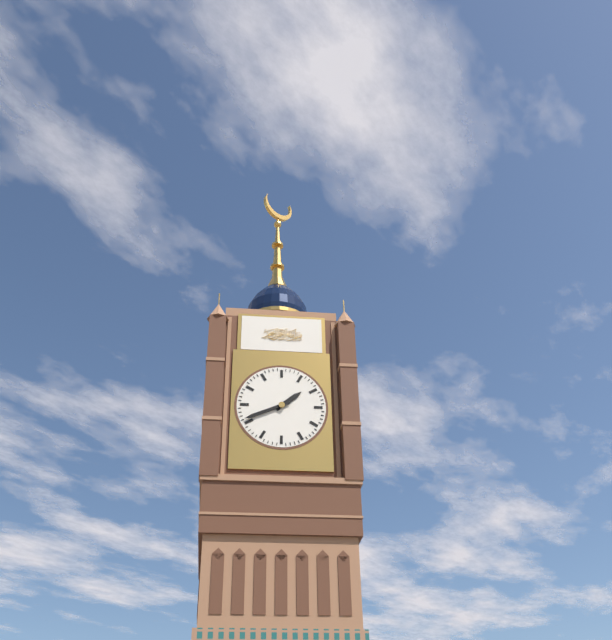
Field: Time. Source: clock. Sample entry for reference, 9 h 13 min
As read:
1 h 41 min
